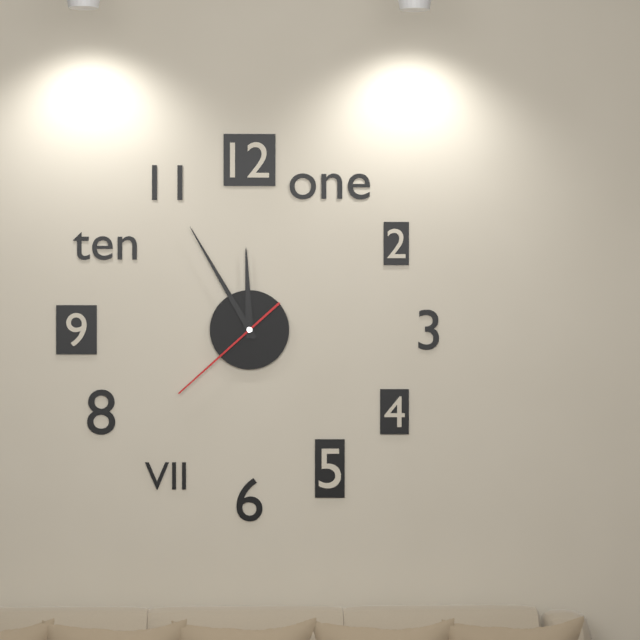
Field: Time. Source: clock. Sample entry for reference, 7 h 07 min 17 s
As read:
11 h 55 min 38 s
